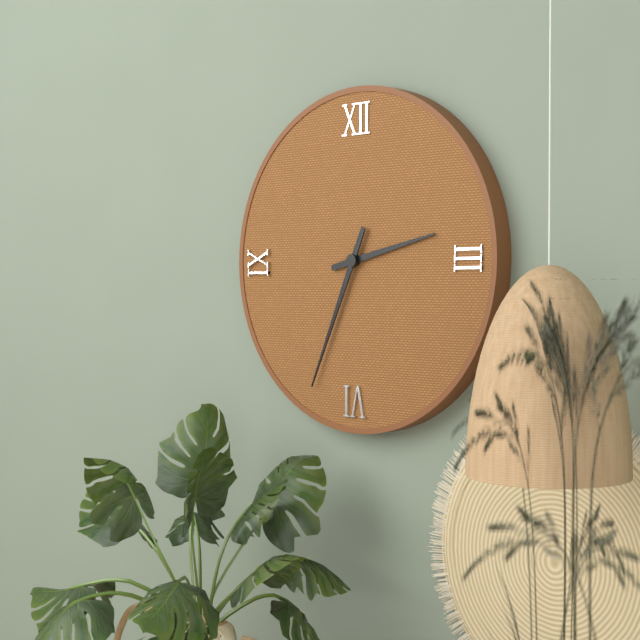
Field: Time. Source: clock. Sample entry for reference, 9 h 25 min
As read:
2 h 34 min
